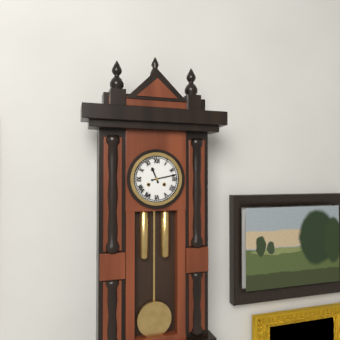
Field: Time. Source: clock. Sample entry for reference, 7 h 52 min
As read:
11 h 13 min
